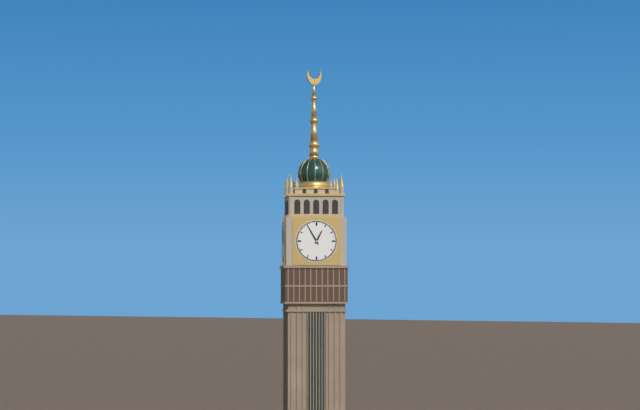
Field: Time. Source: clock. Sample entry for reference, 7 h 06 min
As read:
12 h 55 min
